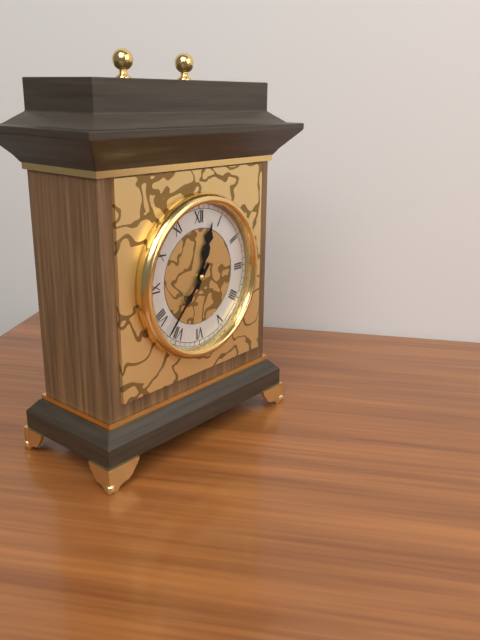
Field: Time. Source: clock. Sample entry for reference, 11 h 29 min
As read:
12 h 37 min
